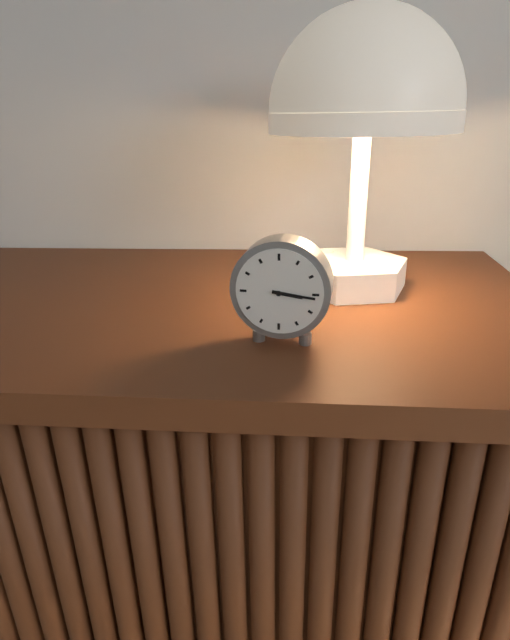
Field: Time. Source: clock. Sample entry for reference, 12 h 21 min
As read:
3 h 16 min
